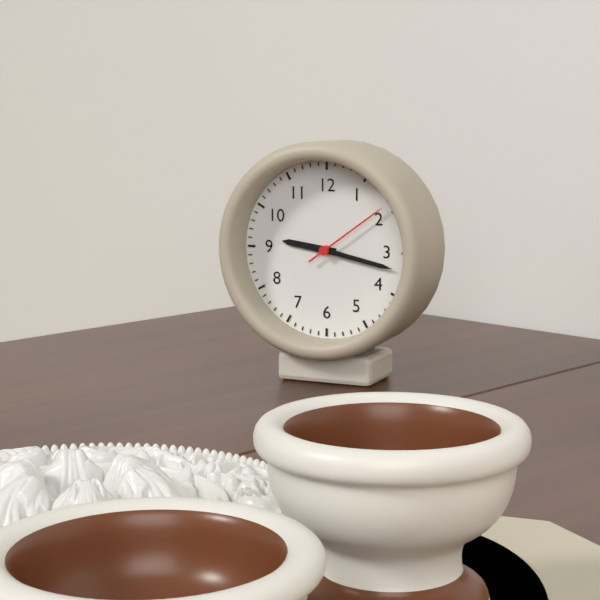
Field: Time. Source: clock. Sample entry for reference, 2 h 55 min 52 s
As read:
9 h 17 min 09 s
